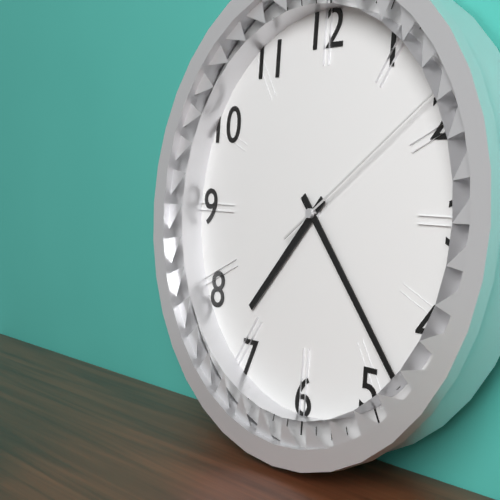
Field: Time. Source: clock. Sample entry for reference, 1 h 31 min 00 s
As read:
7 h 23 min 09 s
